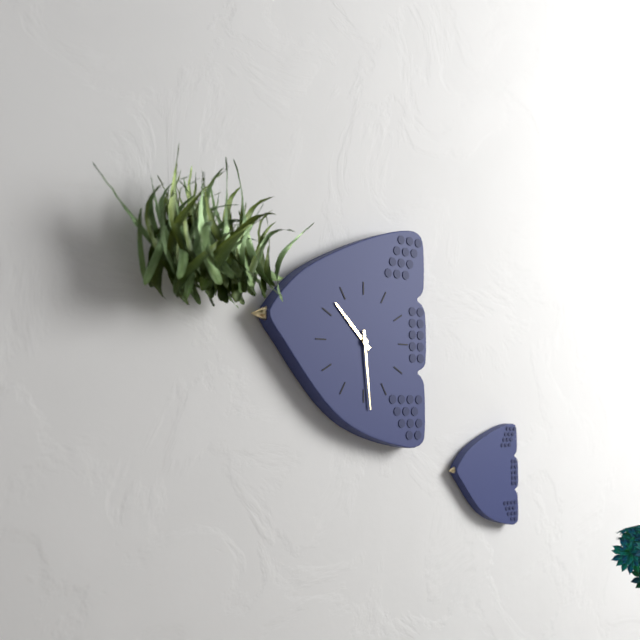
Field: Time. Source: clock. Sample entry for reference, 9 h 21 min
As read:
10 h 29 min
